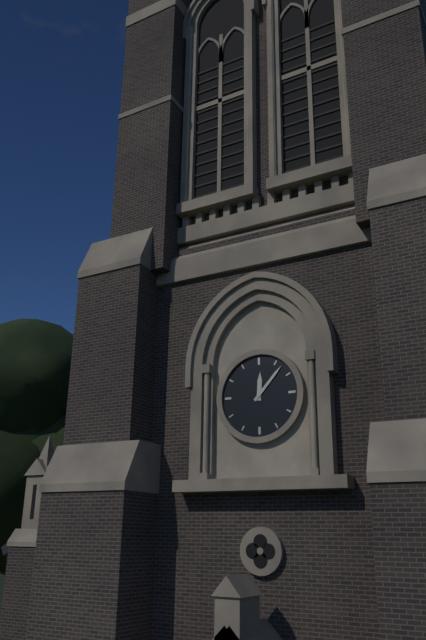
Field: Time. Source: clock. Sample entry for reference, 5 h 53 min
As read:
12 h 07 min
